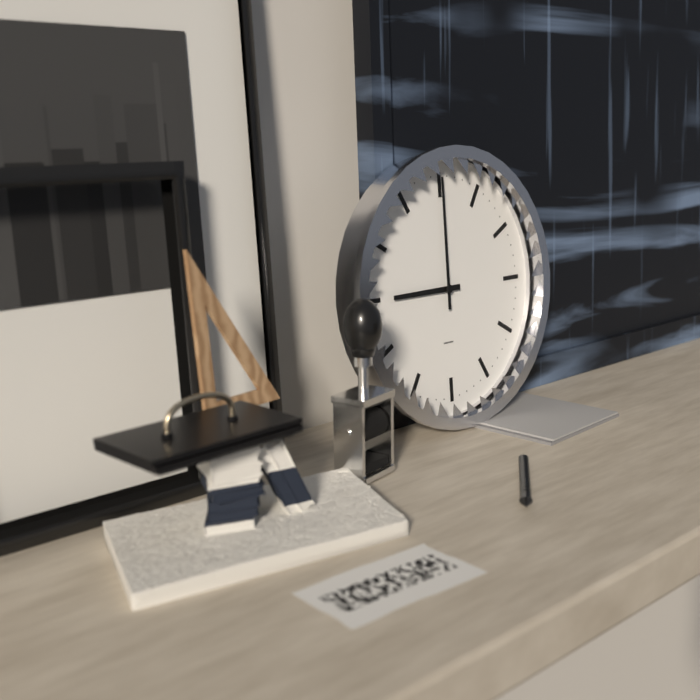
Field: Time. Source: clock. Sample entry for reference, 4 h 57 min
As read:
9 h 00 min
